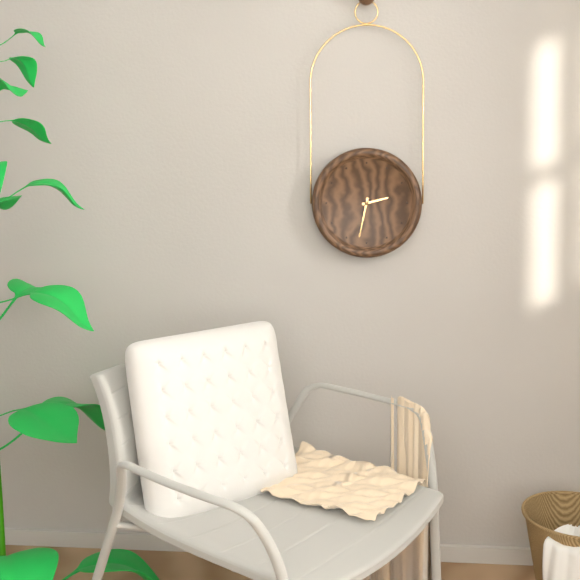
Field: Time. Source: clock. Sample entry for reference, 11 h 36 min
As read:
2 h 32 min
